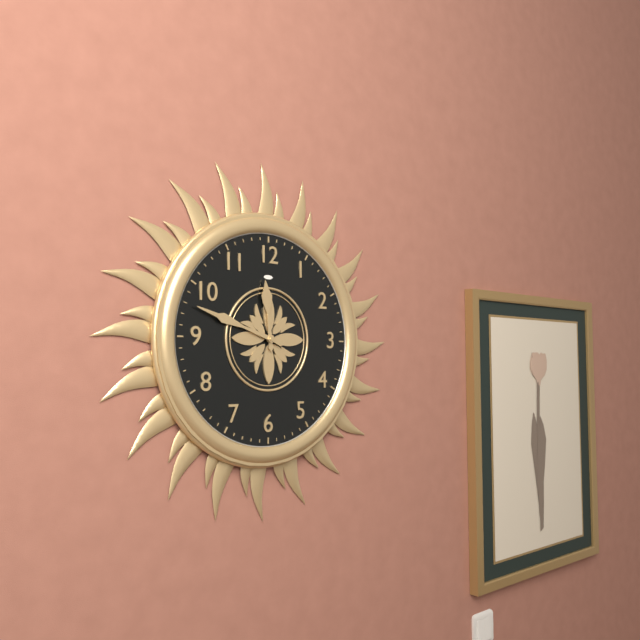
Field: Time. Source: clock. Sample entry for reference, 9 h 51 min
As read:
11 h 48 min
